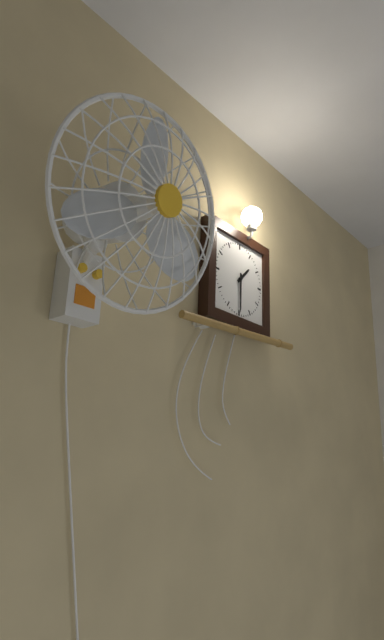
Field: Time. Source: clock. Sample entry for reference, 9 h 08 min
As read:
1 h 30 min
